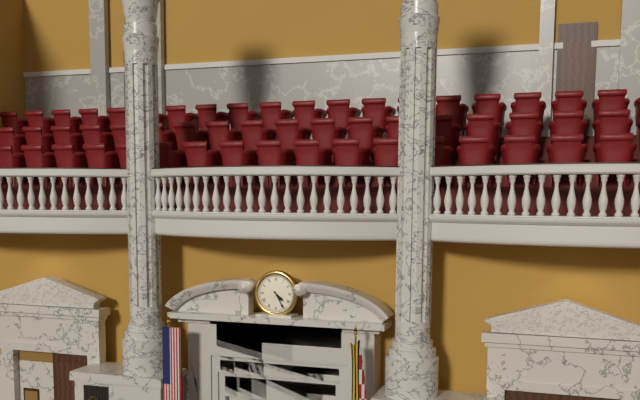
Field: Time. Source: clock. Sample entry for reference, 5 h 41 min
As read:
4 h 25 min
